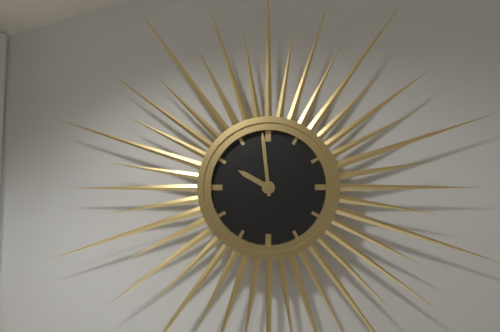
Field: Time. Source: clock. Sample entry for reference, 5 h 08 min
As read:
9 h 59 min
